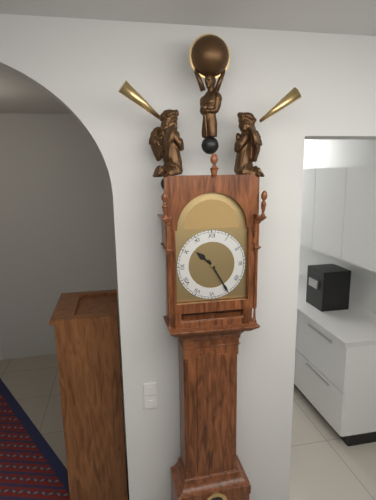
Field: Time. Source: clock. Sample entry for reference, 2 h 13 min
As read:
10 h 25 min
